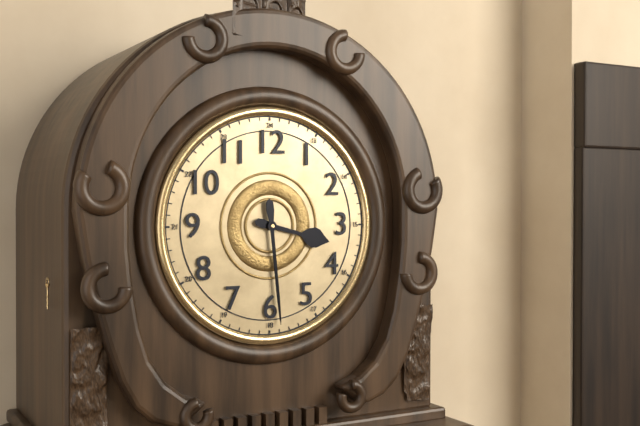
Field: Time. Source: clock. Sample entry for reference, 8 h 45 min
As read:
3 h 29 min
